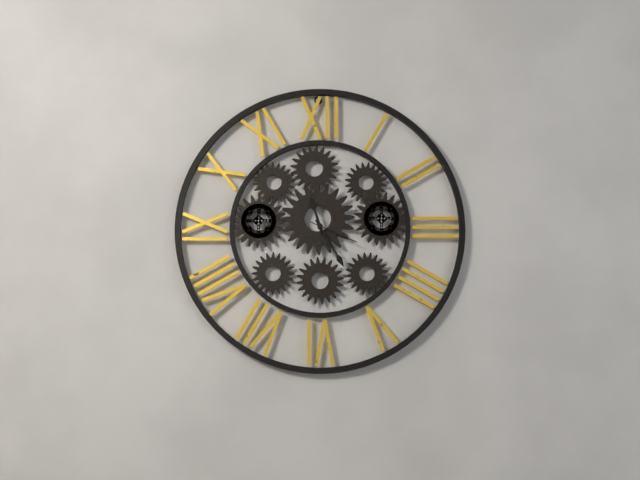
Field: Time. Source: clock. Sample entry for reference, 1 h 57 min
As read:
11 h 25 min
